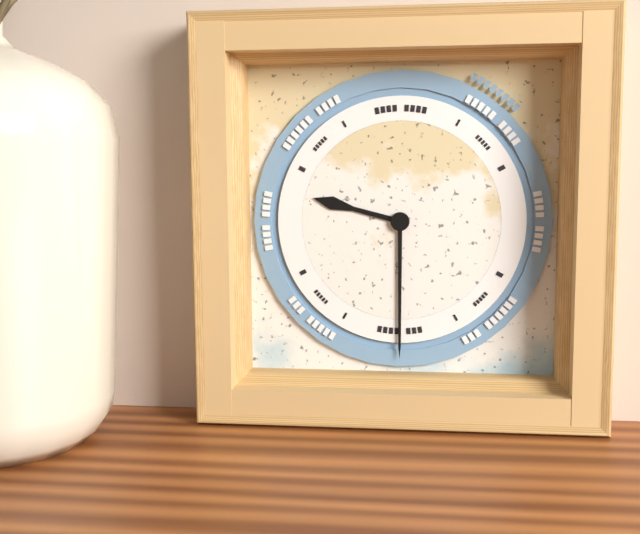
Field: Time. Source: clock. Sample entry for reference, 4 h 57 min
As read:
9 h 30 min
